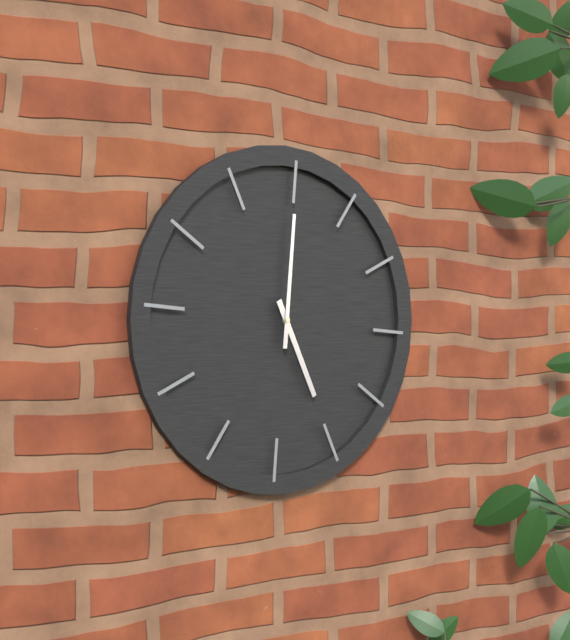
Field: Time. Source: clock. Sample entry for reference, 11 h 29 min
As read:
5 h 00 min
